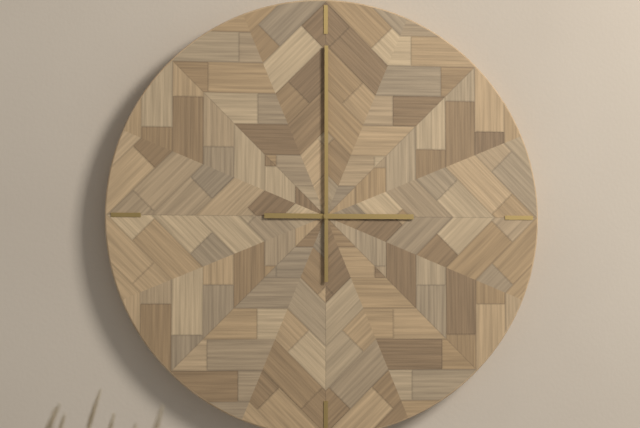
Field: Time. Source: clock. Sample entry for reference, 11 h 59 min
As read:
3 h 00 min
